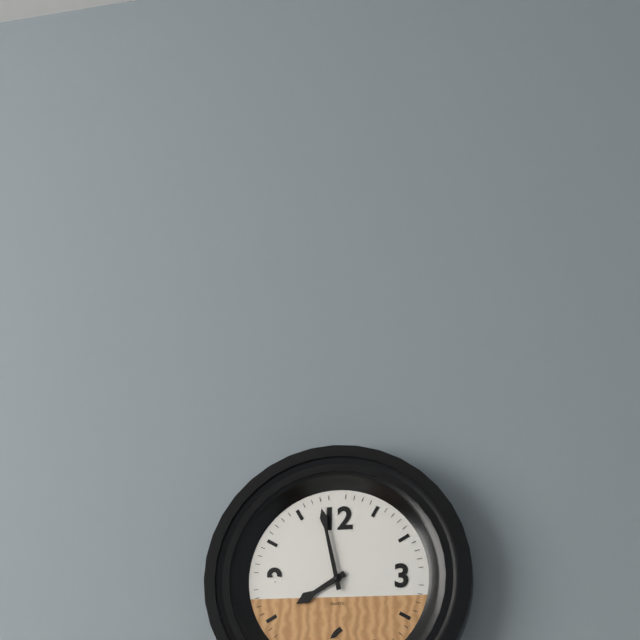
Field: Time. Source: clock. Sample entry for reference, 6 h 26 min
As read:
7 h 58 min
